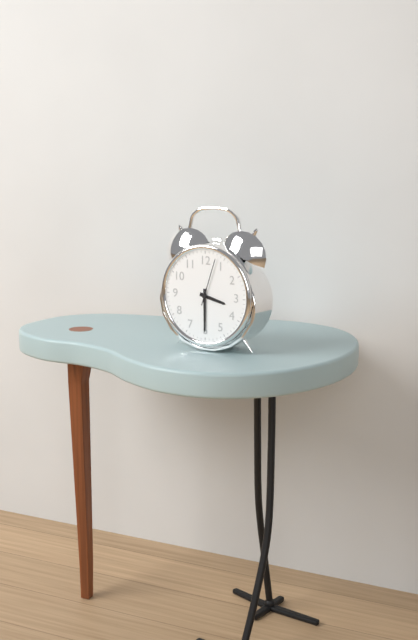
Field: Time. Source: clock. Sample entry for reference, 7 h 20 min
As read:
3 h 30 min
